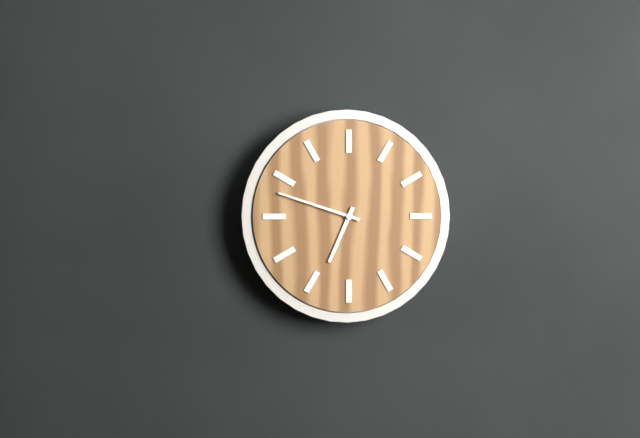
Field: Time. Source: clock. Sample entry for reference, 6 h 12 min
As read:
6 h 48 min
